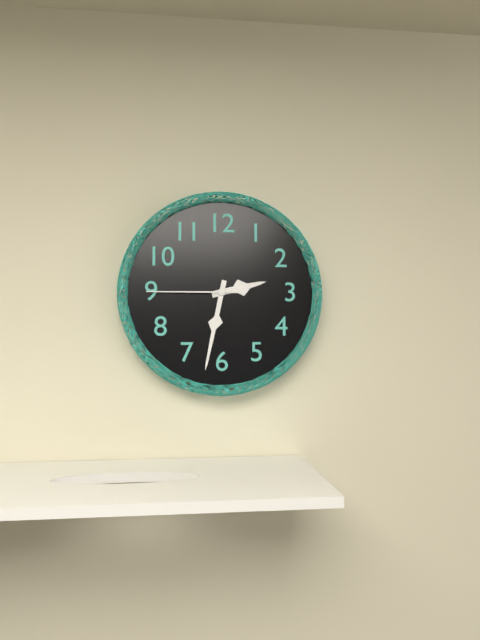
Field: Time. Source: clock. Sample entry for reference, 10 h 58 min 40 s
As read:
2 h 32 min 45 s
